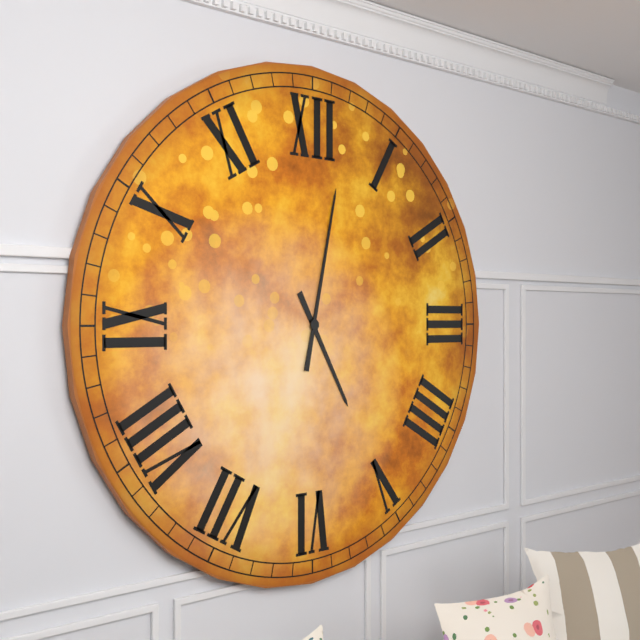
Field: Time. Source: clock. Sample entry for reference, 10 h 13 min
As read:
5 h 02 min
